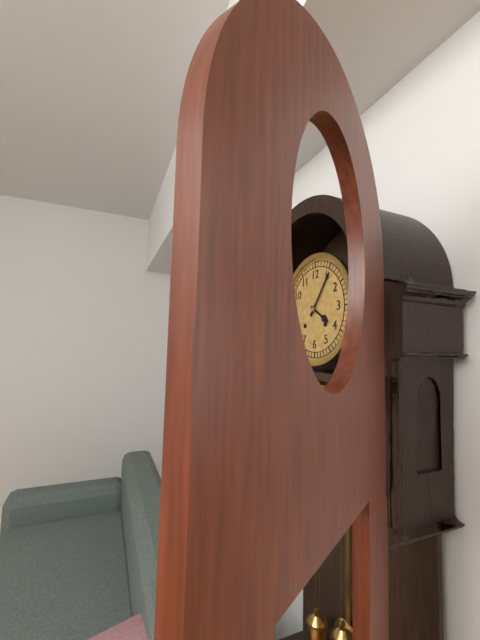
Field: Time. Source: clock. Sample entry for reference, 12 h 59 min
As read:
4 h 06 min
